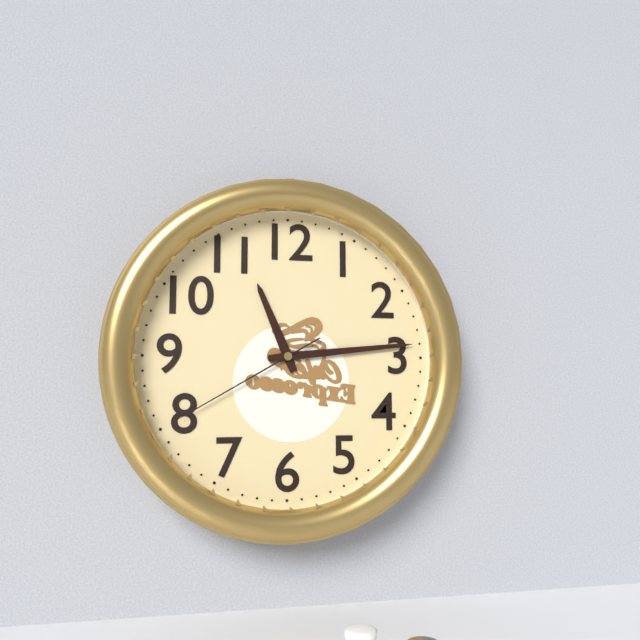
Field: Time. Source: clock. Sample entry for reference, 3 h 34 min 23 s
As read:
11 h 14 min 40 s
